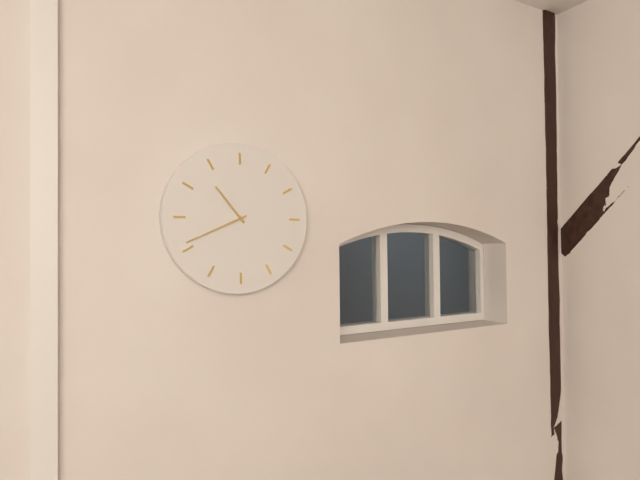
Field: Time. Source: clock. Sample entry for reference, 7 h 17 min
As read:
10 h 41 min
